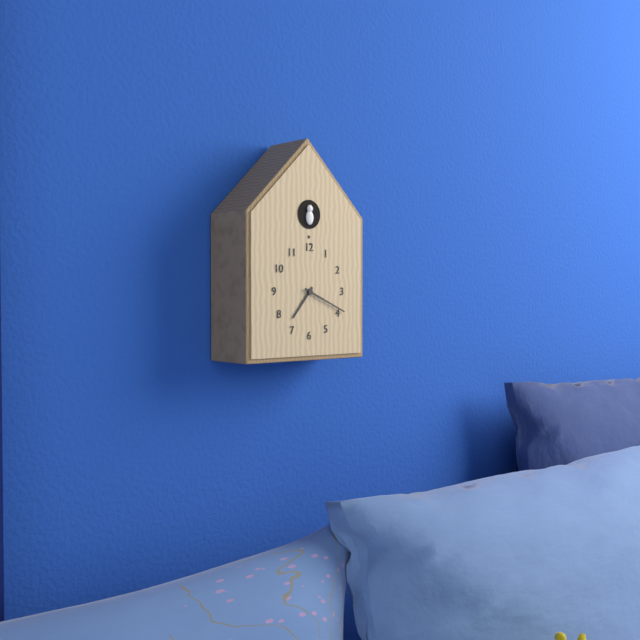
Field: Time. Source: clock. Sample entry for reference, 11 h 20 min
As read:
7 h 19 min
